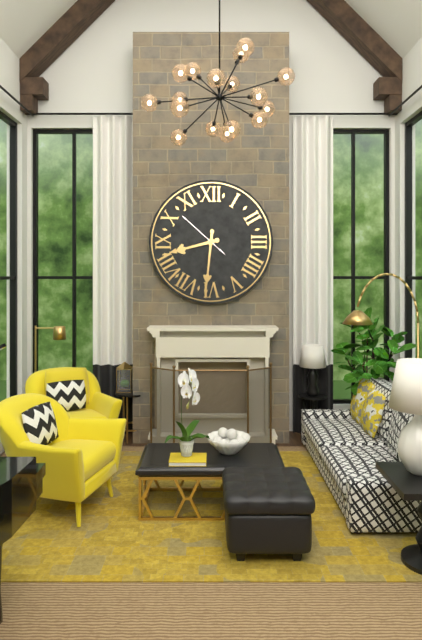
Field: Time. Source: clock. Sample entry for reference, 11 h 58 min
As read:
8 h 31 min
